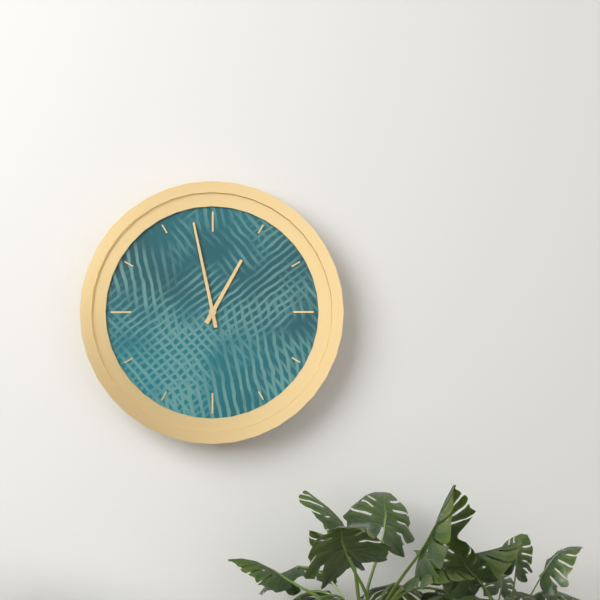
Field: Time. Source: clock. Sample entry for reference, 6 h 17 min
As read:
12 h 58 min
